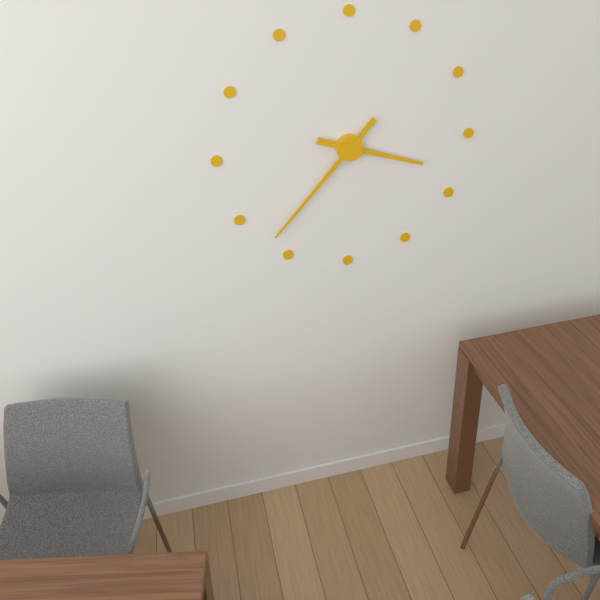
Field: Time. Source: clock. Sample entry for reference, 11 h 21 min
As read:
3 h 37 min
